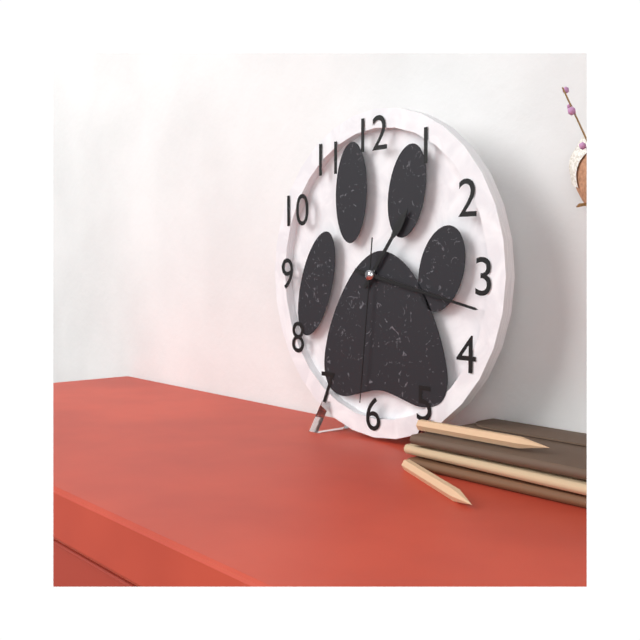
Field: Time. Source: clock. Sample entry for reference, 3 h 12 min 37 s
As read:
1 h 17 min 31 s
